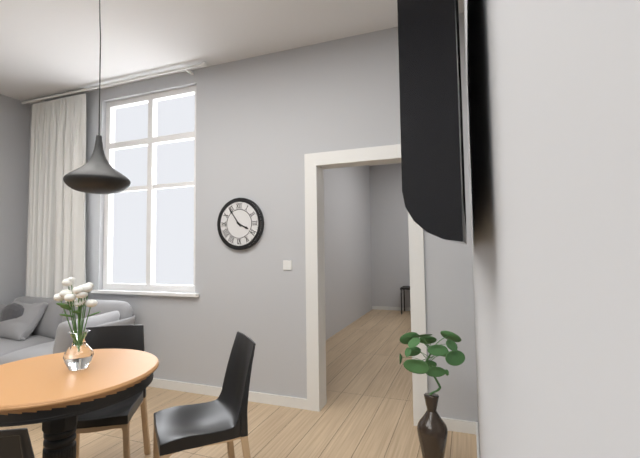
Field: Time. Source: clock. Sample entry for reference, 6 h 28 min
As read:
3 h 54 min
